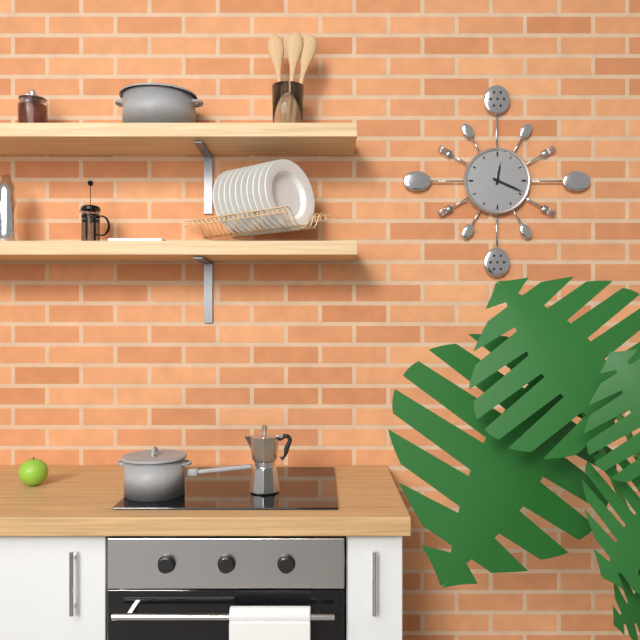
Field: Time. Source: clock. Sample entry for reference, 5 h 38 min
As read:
12 h 19 min
